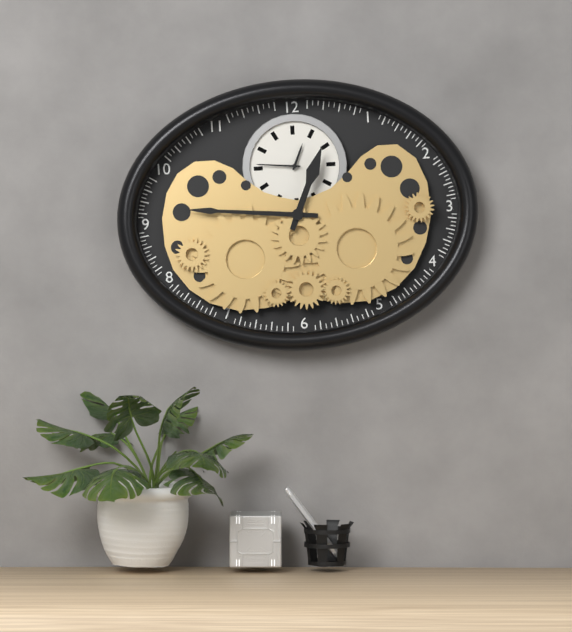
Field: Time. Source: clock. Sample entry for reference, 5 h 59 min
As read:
12 h 46 min
